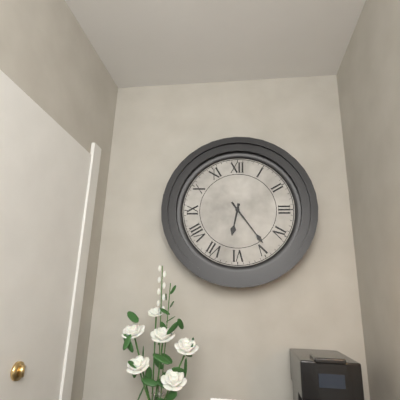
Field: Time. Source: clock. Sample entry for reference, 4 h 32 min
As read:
6 h 24 min
